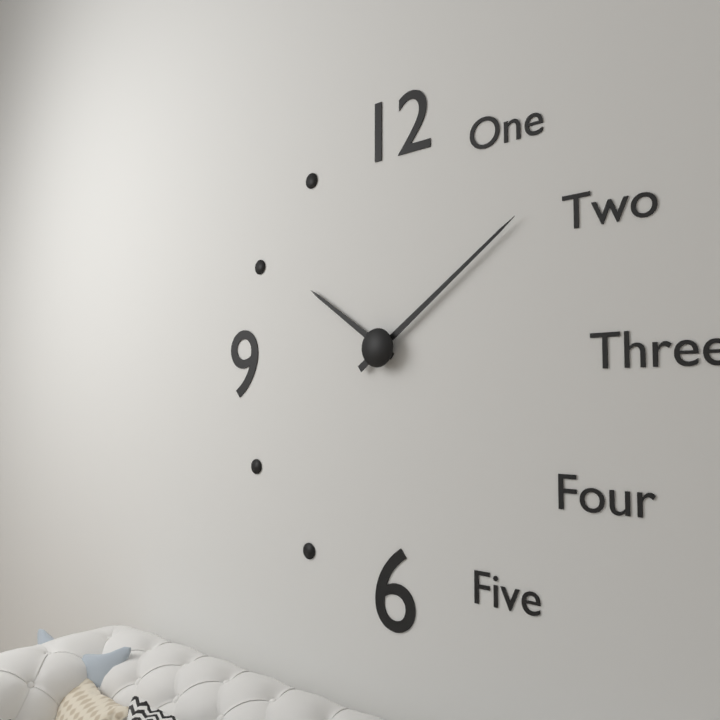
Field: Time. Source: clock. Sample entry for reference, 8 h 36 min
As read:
10 h 09 min
